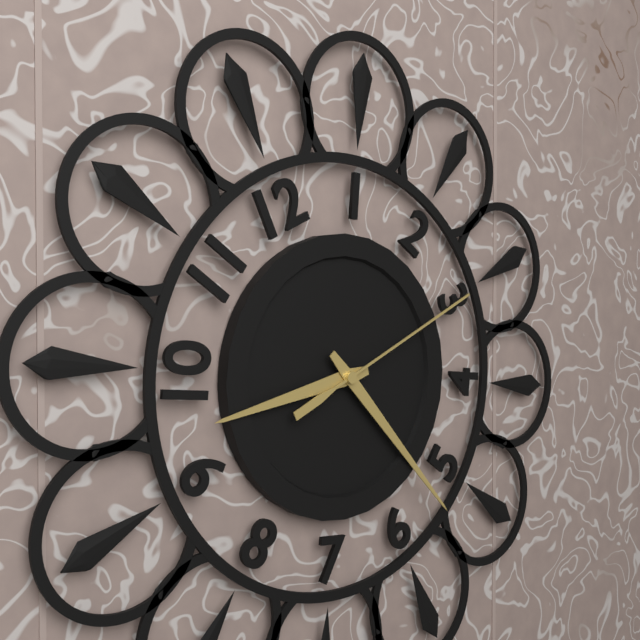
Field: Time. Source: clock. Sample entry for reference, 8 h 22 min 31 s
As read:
9 h 27 min 15 s
